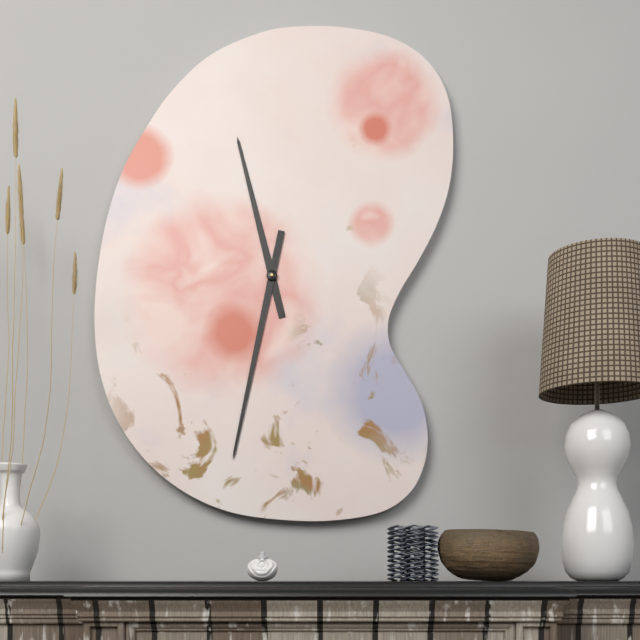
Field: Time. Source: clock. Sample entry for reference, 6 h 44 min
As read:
11 h 32 min
